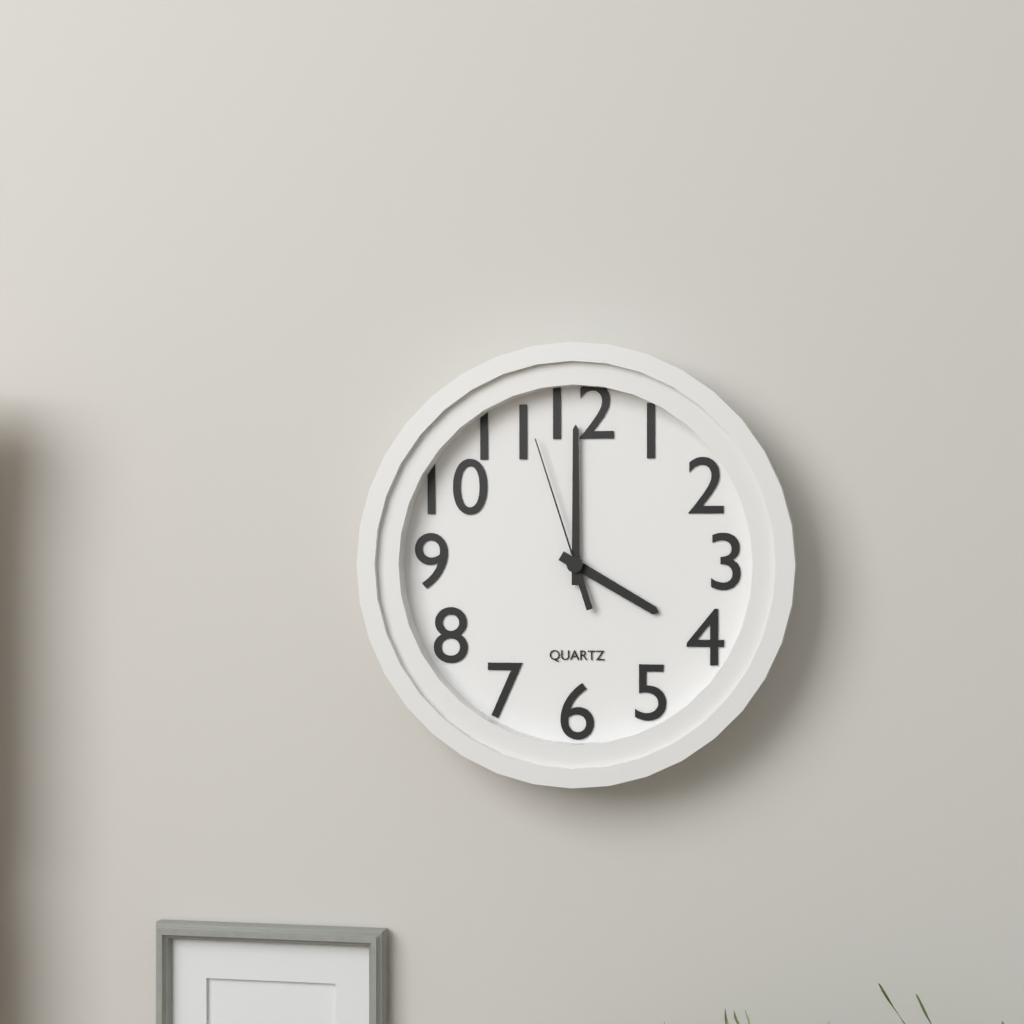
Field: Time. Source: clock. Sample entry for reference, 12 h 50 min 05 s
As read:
4 h 00 min 57 s
